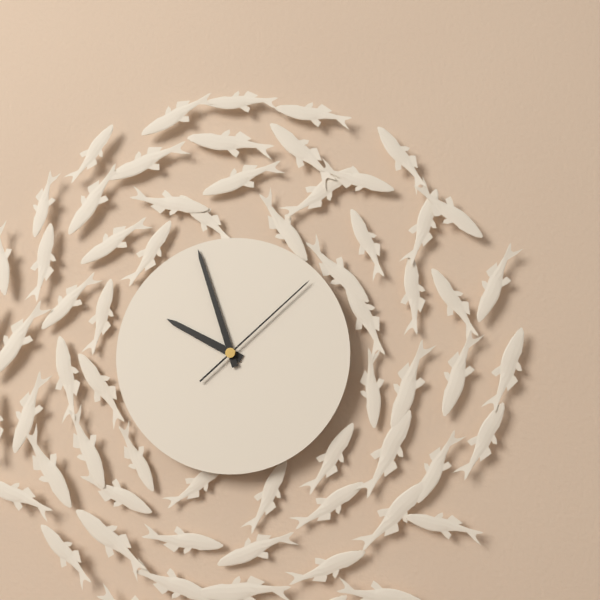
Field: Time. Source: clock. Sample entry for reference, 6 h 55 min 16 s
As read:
9 h 57 min 08 s
